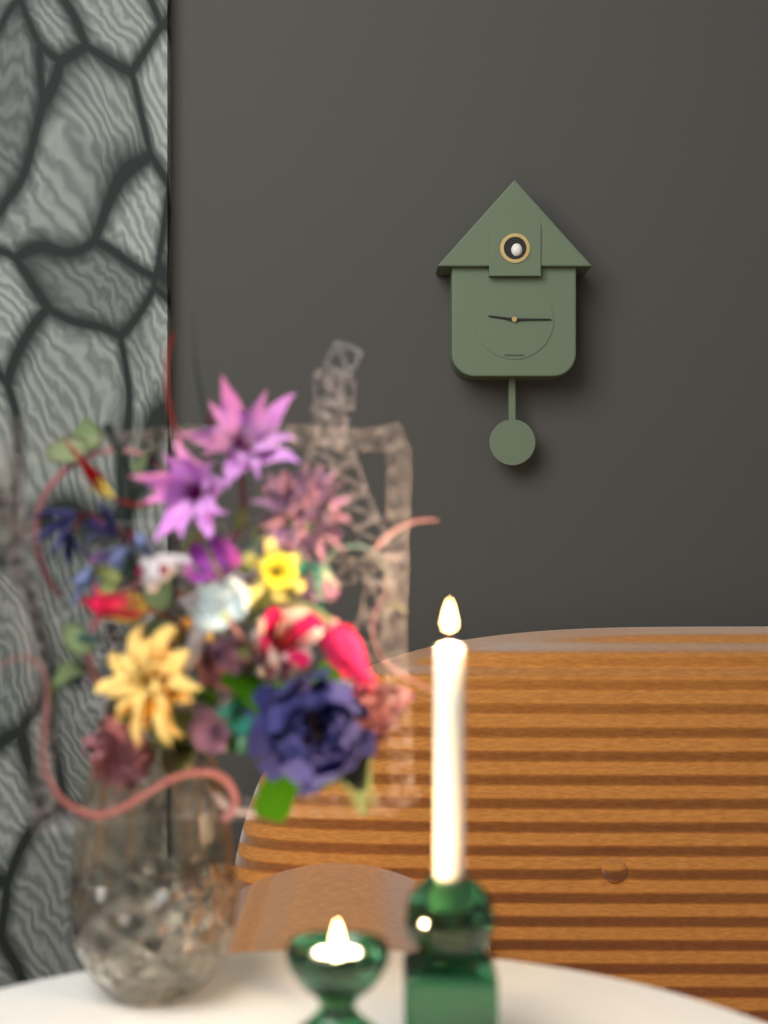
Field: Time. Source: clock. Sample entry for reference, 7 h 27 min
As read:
9 h 15 min
